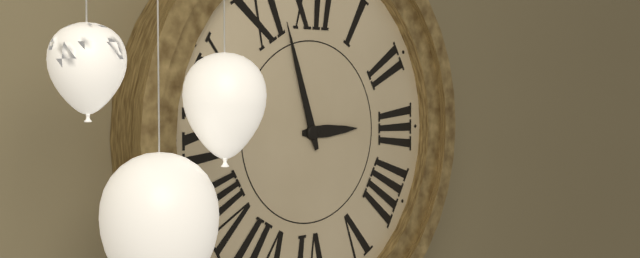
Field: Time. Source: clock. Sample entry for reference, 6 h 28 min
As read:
2 h 57 min
